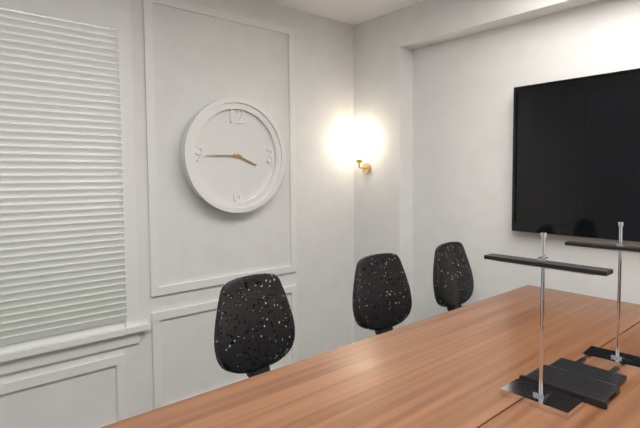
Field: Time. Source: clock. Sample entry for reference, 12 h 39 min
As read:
3 h 45 min
